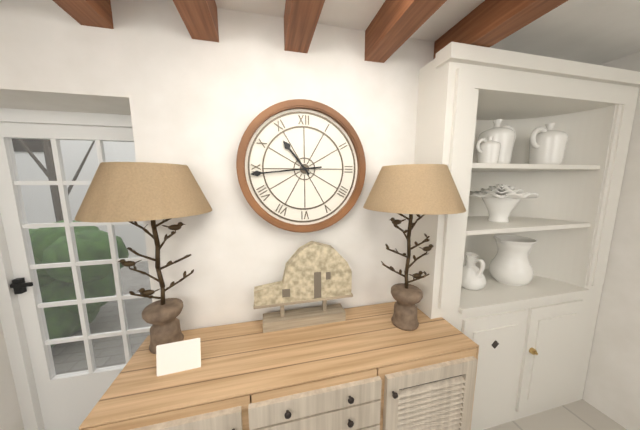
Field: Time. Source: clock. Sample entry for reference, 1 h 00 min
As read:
10 h 44 min
